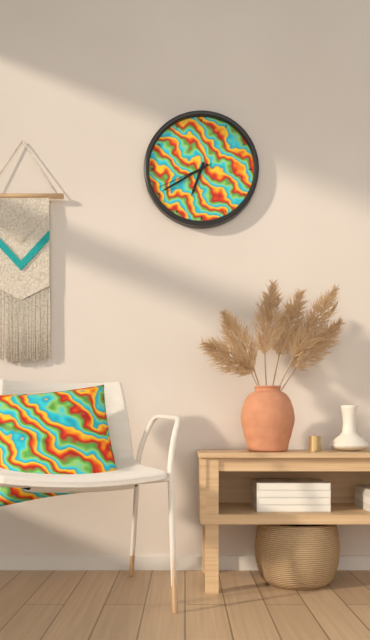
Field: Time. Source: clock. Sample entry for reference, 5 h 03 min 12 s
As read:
6 h 40 min 41 s
